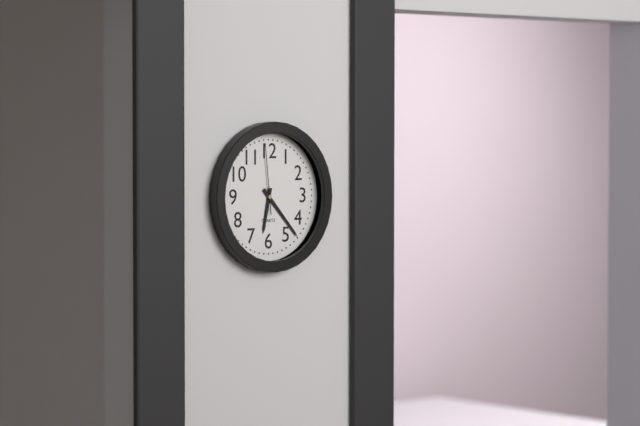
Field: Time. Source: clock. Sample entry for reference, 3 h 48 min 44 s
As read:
6 h 23 min 59 s
